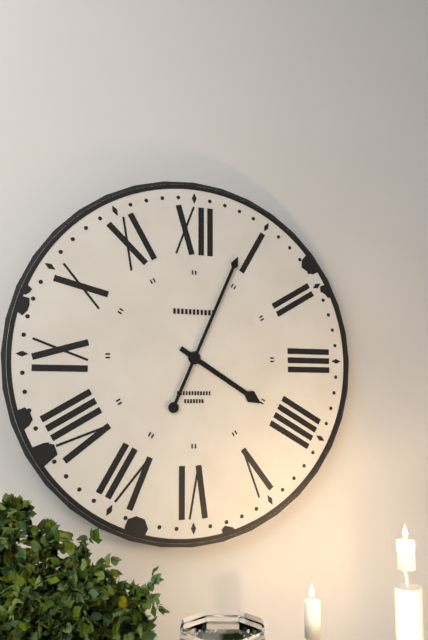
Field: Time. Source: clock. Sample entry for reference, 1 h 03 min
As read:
4 h 04 min
